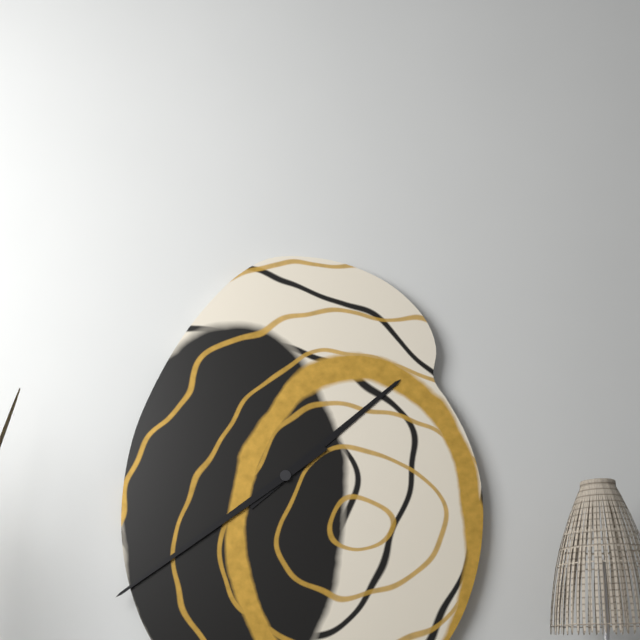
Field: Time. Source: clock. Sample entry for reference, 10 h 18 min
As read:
1 h 39 min
